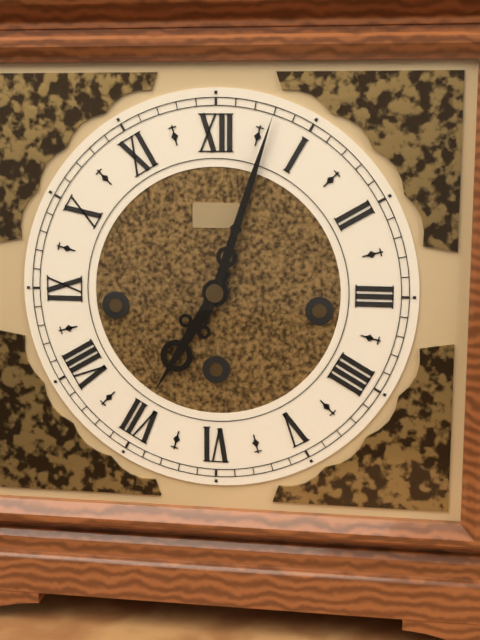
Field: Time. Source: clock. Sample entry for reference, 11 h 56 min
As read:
7 h 03 min
